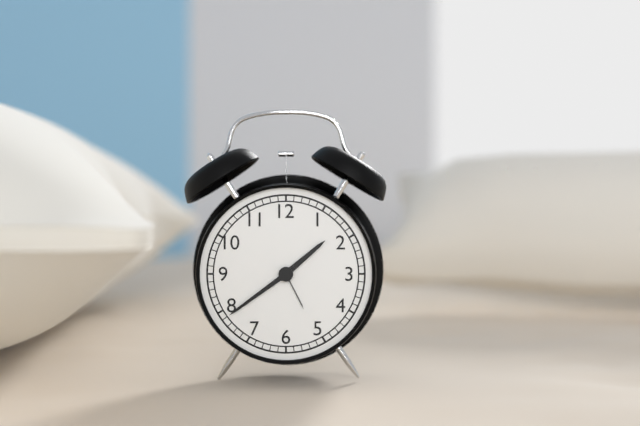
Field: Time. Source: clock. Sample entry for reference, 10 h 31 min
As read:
1 h 39 min
